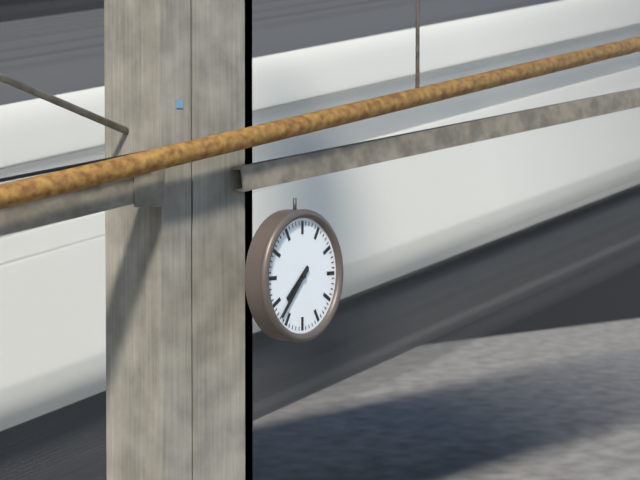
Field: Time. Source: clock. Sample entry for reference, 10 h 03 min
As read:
7 h 37 min
